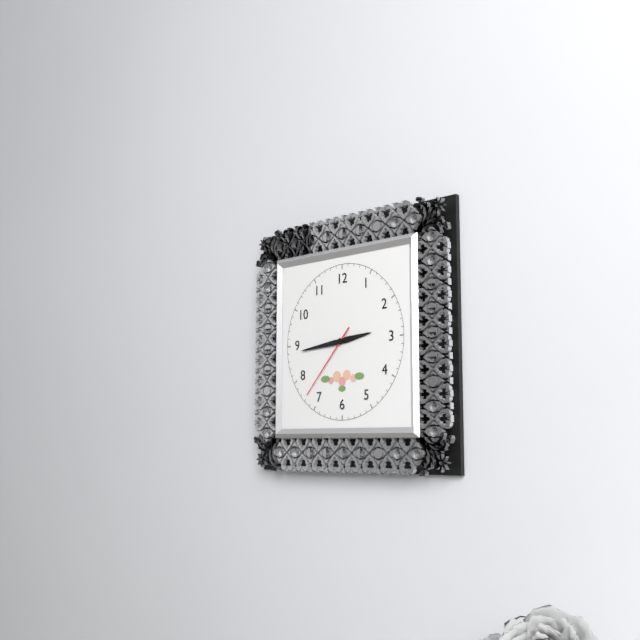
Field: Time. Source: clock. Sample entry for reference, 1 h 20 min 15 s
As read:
2 h 44 min 37 s
